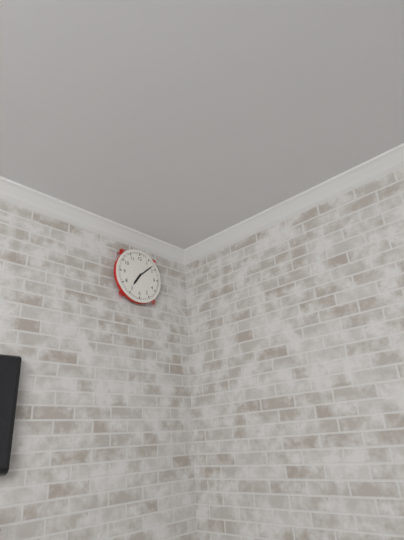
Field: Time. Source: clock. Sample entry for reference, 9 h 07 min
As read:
7 h 08 min
